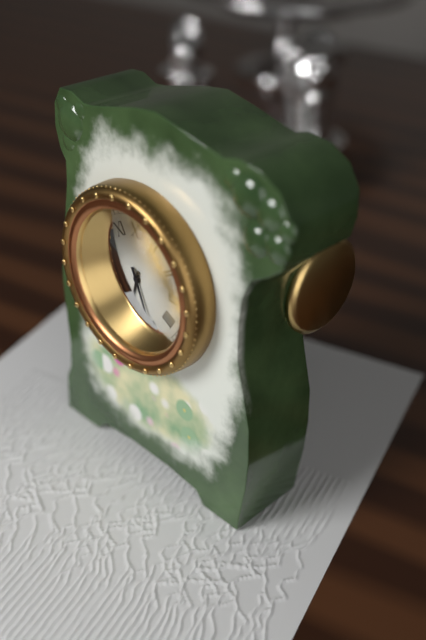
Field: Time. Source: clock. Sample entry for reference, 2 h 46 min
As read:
6 h 26 min
